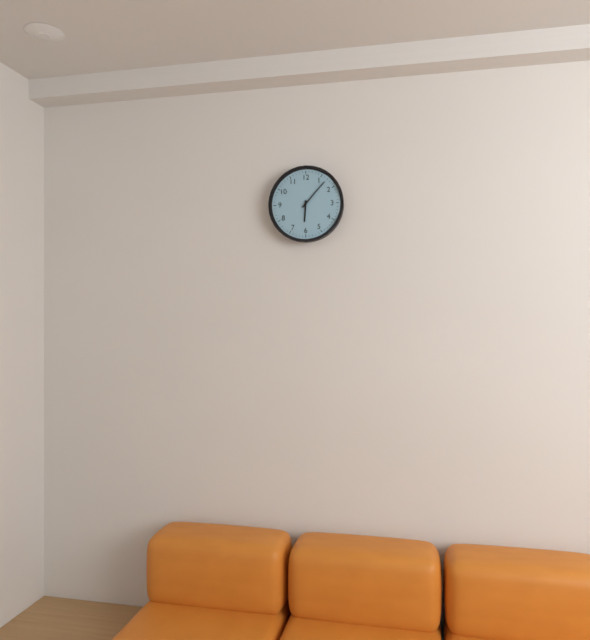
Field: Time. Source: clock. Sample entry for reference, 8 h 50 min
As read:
6 h 07 min
